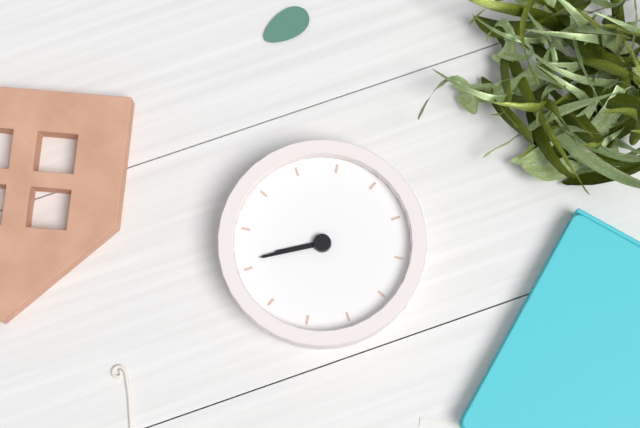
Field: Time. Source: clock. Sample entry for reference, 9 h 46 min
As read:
3 h 16 min
